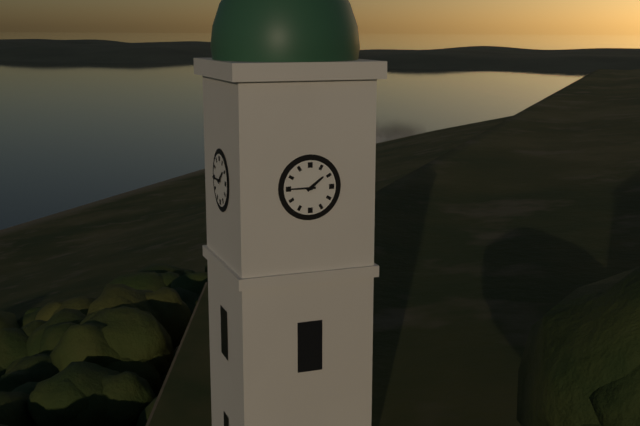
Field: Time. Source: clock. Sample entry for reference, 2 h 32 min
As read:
1 h 45 min
